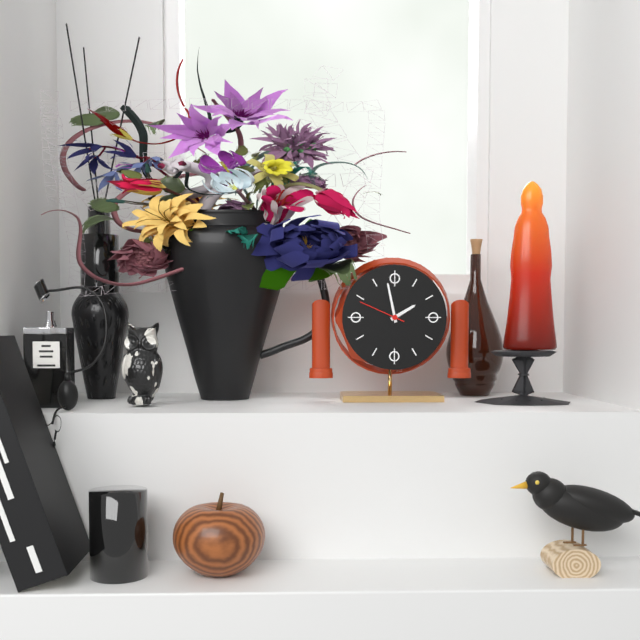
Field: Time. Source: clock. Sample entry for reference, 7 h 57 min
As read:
1 h 58 min
